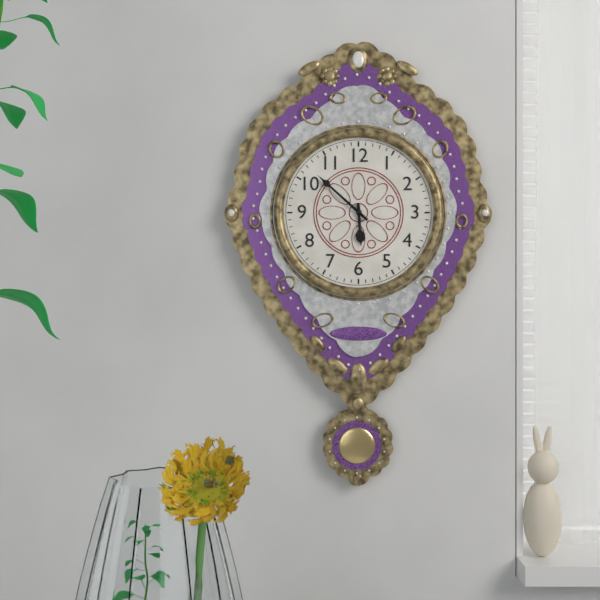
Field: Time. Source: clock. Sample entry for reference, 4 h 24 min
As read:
5 h 52 min
